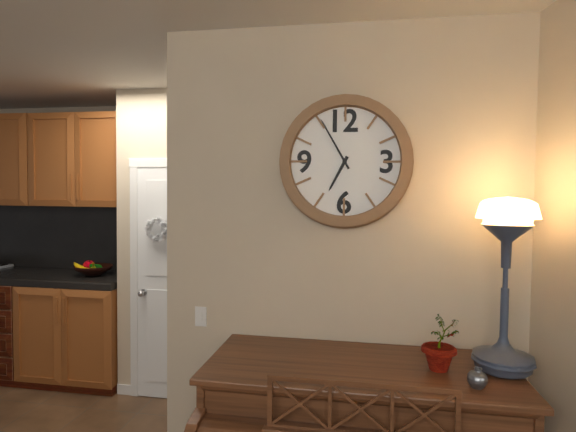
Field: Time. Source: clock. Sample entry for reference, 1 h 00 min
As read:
6 h 55 min
